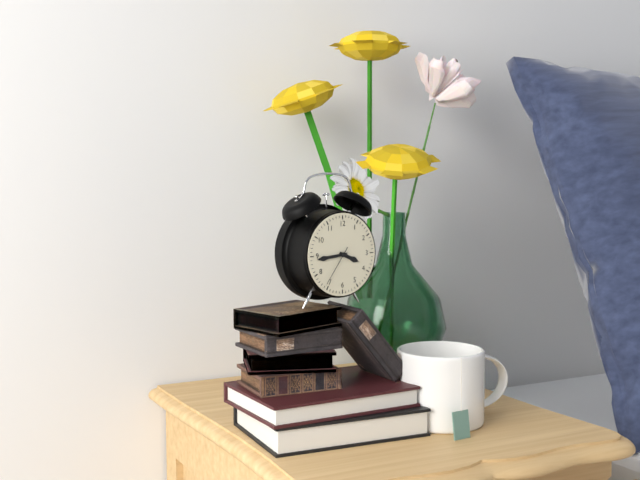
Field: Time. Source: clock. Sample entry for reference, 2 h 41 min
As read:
3 h 44 min
